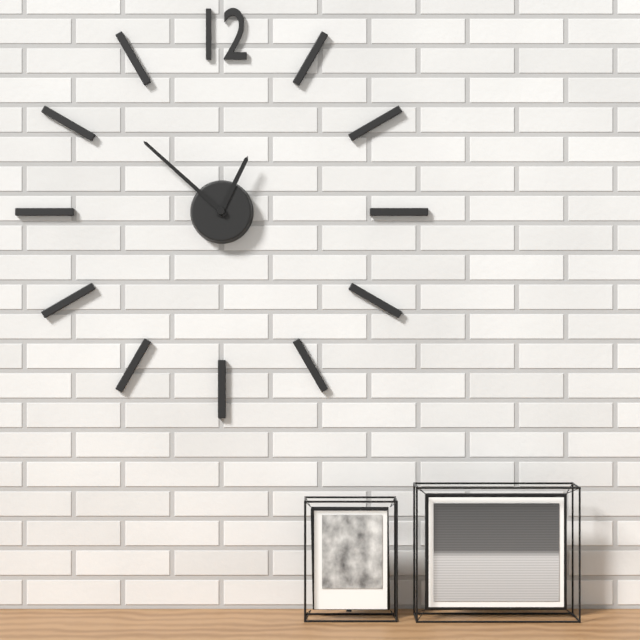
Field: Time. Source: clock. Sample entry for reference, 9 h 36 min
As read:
12 h 52 min
